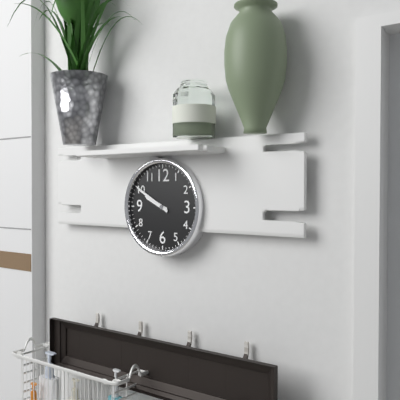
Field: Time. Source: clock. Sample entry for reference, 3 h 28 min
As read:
9 h 50 min
